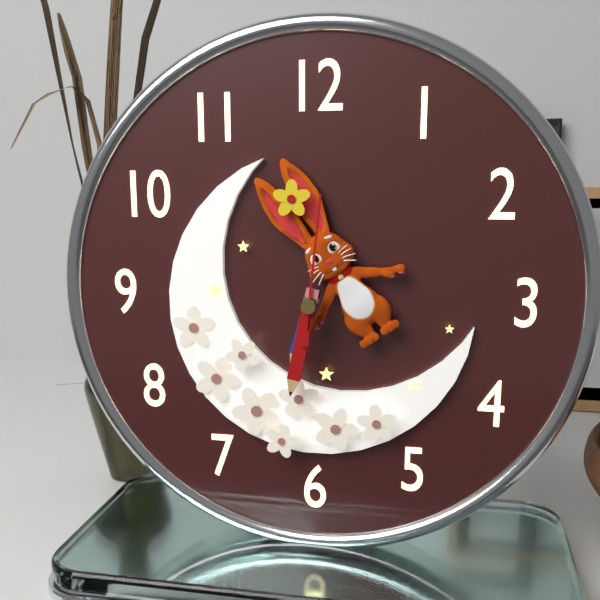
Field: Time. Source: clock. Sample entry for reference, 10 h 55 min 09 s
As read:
6 h 32 min 01 s
